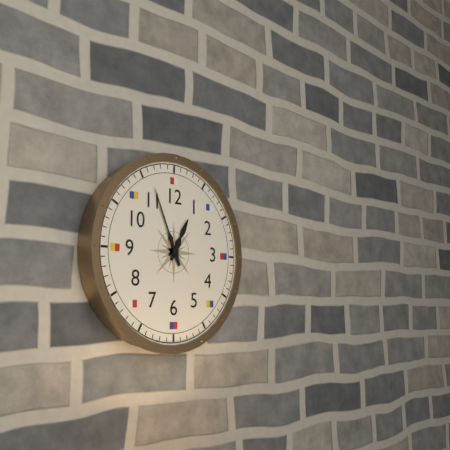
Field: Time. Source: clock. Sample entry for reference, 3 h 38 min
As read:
12 h 56 min
